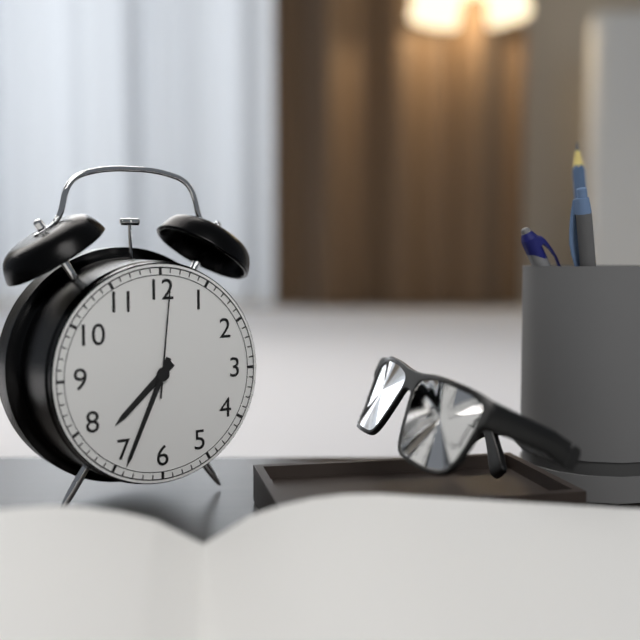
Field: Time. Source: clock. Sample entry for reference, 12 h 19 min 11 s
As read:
7 h 34 min 01 s
